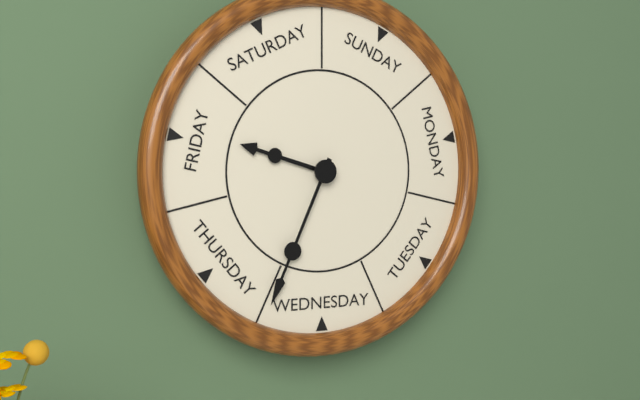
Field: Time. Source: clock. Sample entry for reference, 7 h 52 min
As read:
9 h 34 min
